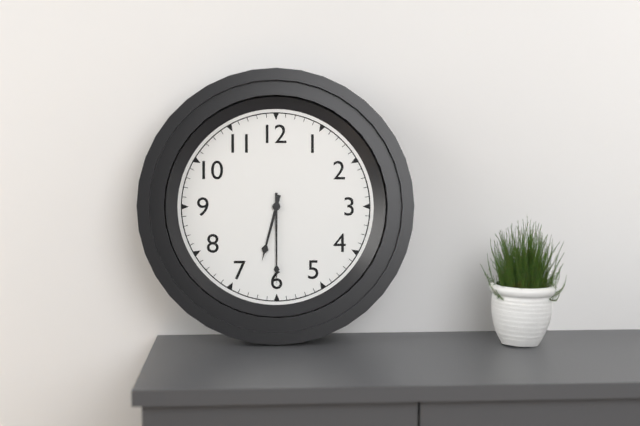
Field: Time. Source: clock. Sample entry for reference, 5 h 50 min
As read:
6 h 30 min
